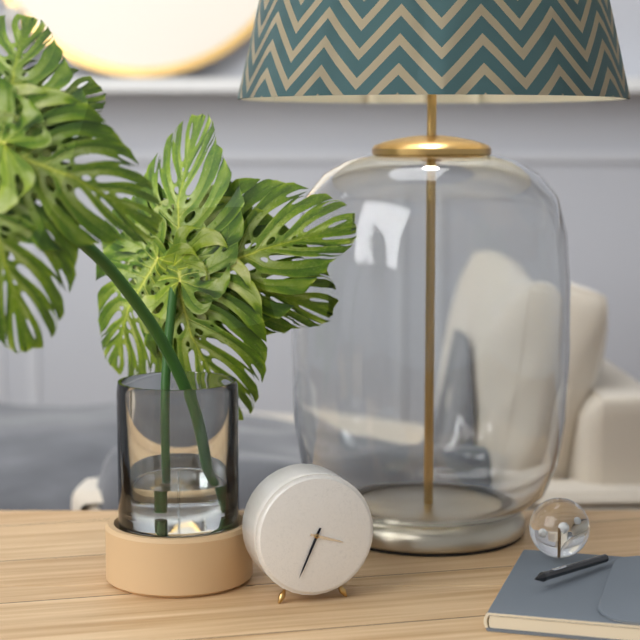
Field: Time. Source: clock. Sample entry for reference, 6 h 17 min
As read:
3 h 34 min
